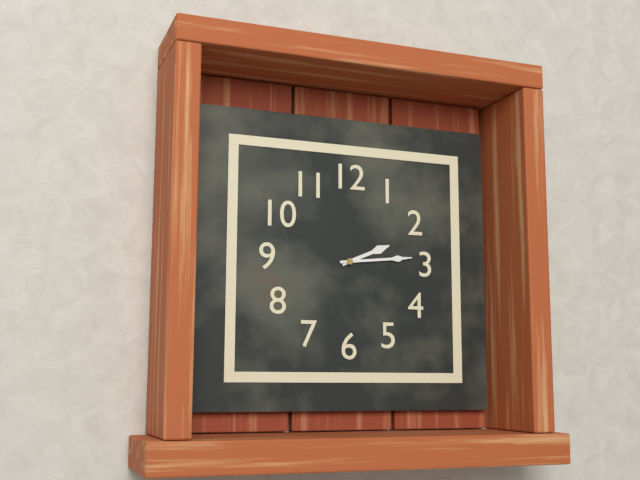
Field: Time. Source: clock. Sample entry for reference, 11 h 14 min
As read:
2 h 14 min
